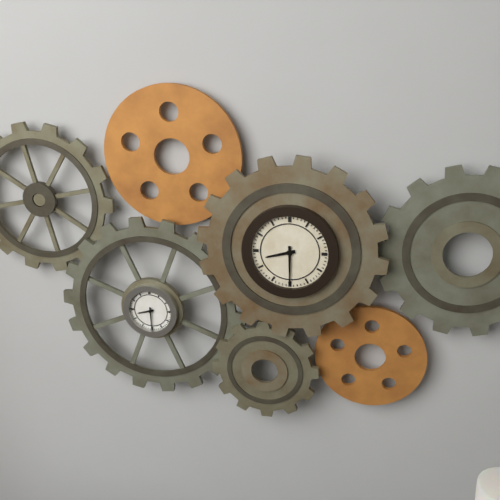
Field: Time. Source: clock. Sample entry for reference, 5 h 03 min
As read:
8 h 30 min
